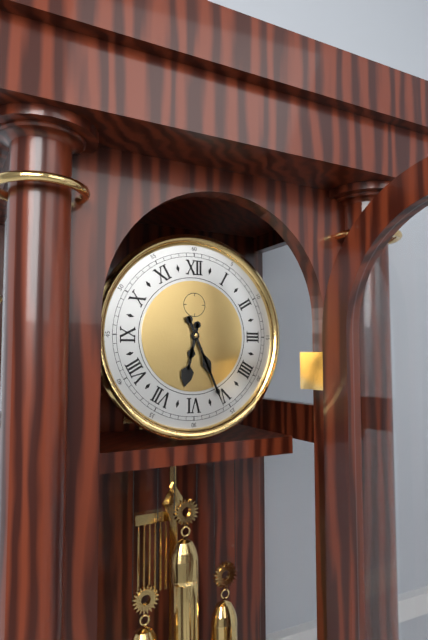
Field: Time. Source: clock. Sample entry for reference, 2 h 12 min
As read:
6 h 26 min
